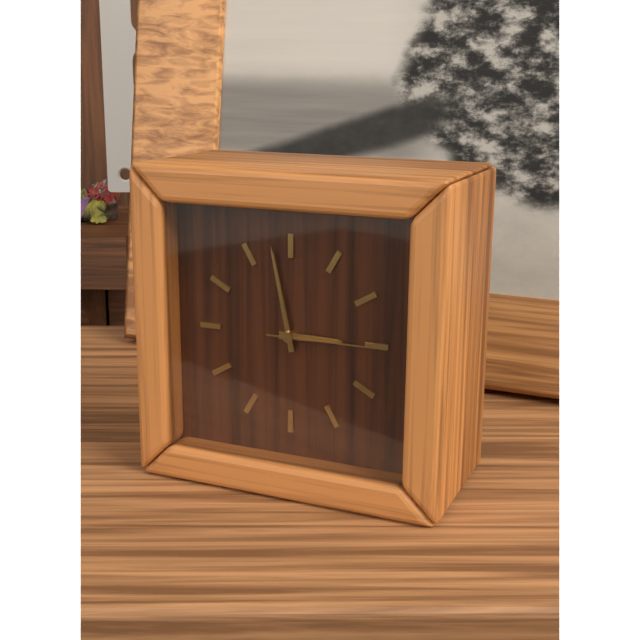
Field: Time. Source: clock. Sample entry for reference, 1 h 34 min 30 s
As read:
2 h 58 min 15 s
